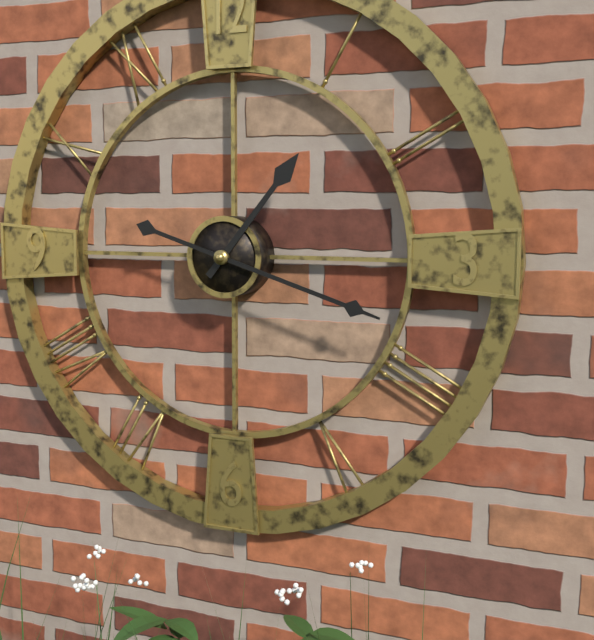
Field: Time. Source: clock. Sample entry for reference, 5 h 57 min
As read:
1 h 18 min
